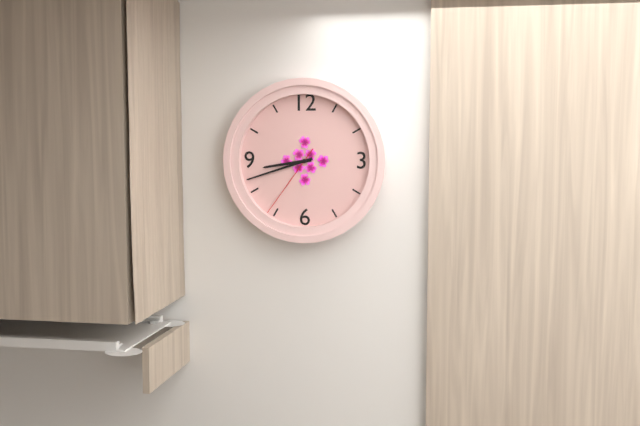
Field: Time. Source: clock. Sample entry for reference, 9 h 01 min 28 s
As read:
8 h 42 min 36 s
